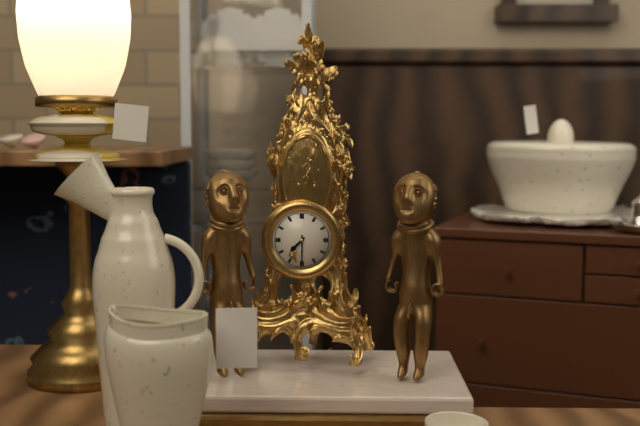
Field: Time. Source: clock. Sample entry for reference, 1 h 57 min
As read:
7 h 30 min
